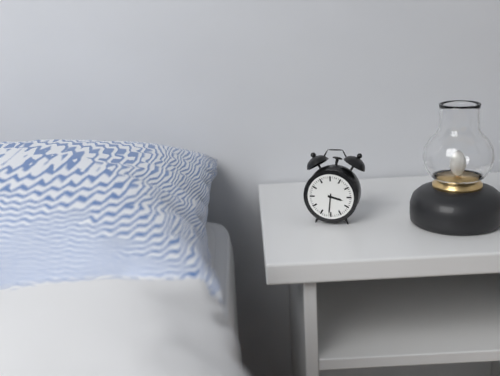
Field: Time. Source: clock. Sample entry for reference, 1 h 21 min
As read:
3 h 31 min
